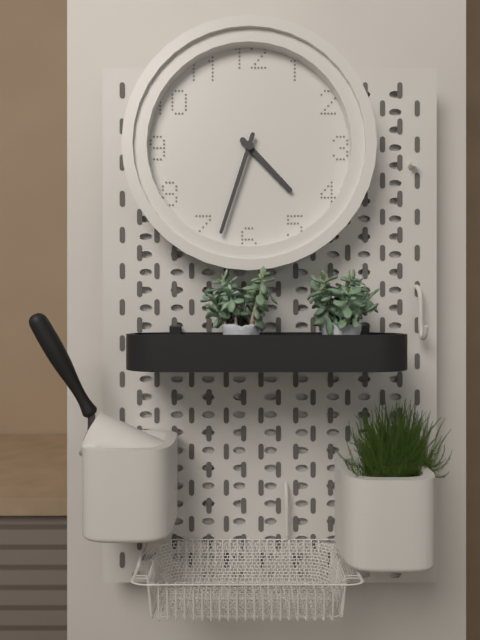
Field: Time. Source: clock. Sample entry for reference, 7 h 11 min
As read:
4 h 33 min
